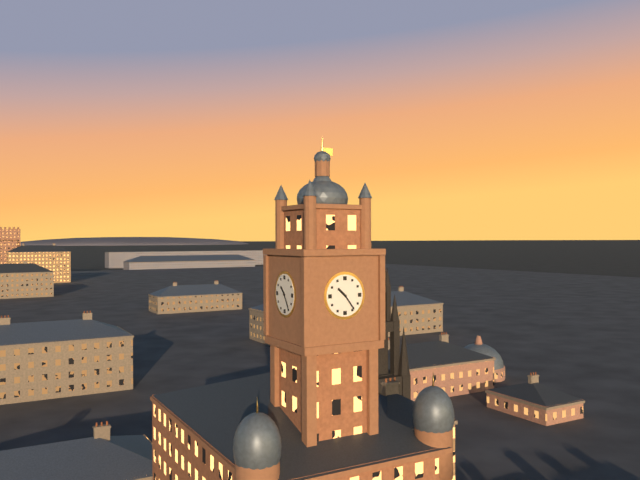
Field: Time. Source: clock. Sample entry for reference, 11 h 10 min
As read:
10 h 24 min
